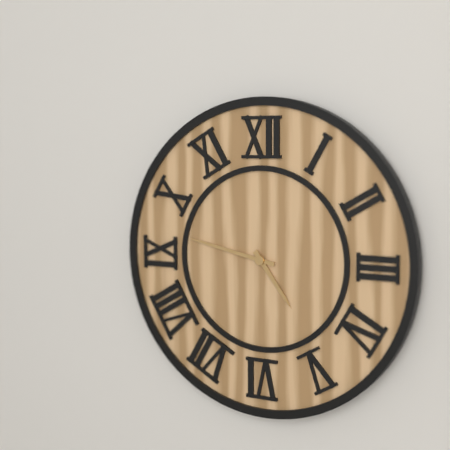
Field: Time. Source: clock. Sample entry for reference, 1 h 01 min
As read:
4 h 47 min
